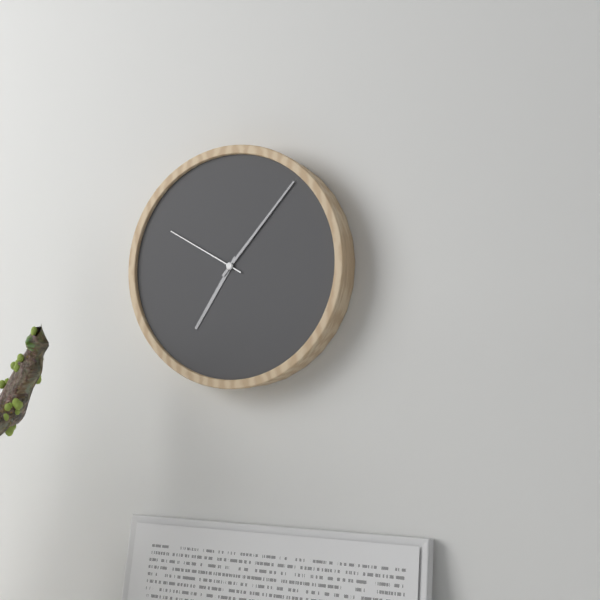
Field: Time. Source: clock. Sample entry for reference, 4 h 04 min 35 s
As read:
7 h 07 min 50 s
